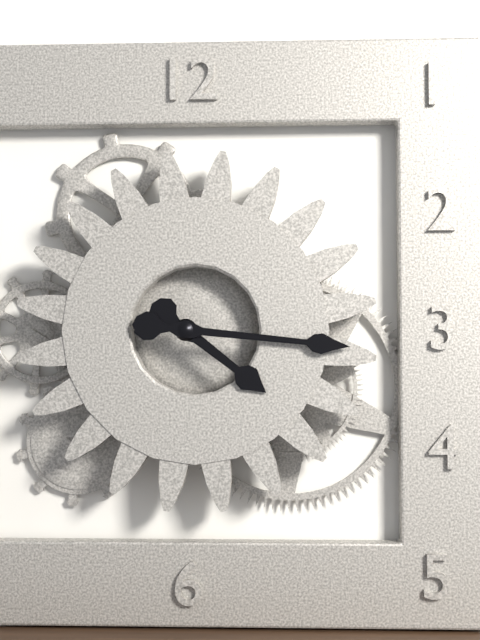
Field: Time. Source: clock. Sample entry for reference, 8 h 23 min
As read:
4 h 16 min
